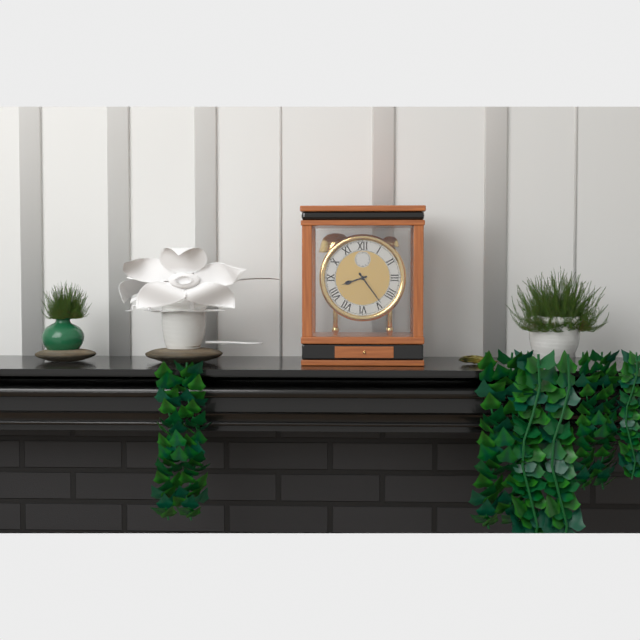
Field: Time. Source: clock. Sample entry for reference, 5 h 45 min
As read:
8 h 24 min
